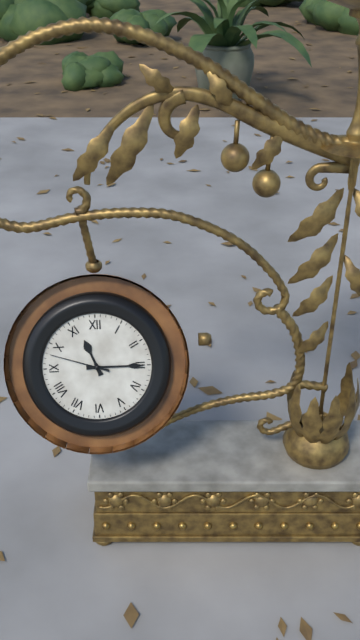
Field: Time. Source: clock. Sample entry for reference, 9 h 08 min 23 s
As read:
11 h 15 min 48 s
